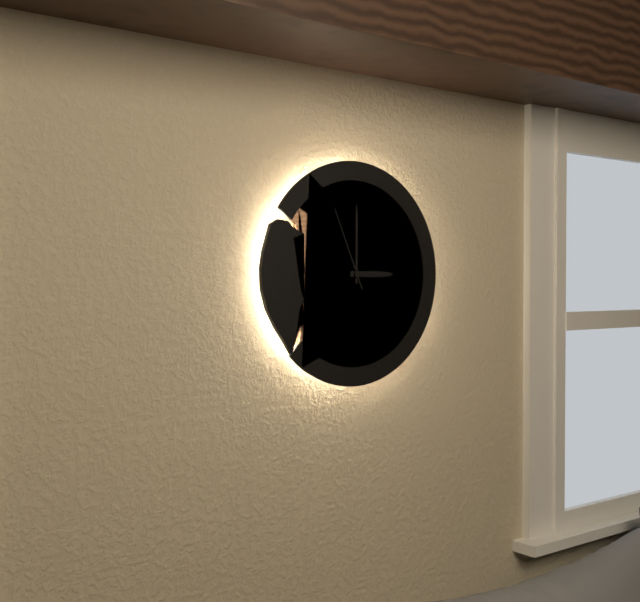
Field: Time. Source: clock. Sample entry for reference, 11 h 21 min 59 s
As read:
3 h 00 min 56 s
